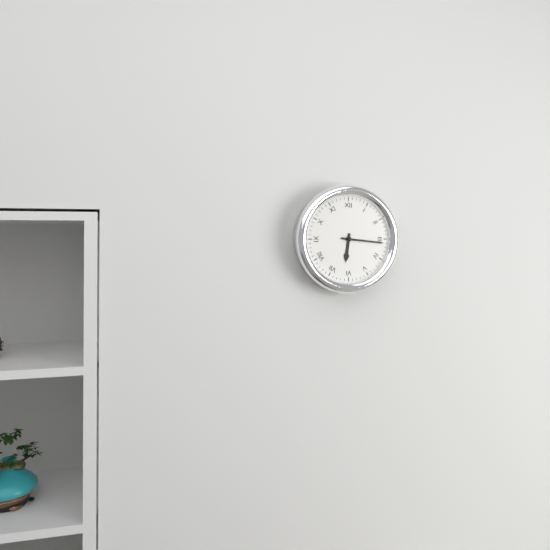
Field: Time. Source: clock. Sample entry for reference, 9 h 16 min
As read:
6 h 16 min
